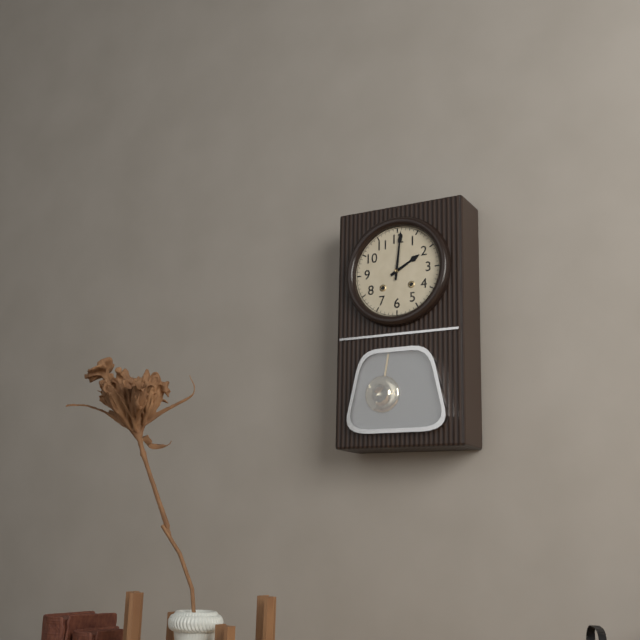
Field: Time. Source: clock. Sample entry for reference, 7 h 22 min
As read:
2 h 01 min
